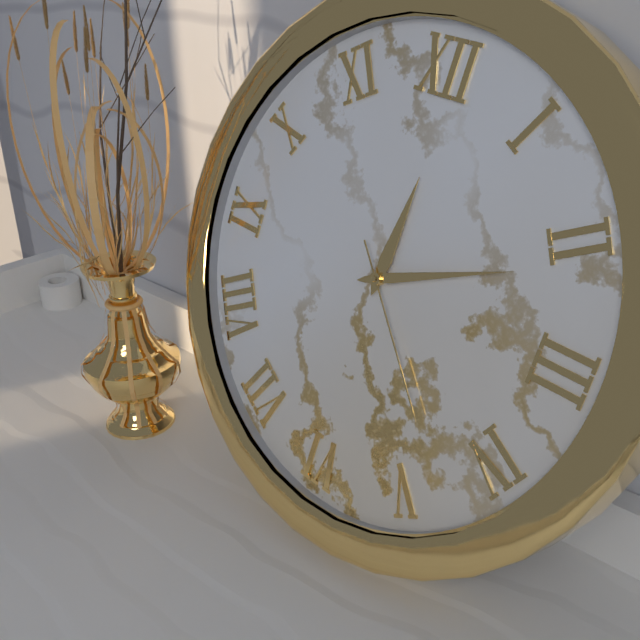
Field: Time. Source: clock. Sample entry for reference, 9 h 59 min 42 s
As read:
12 h 11 min 23 s
